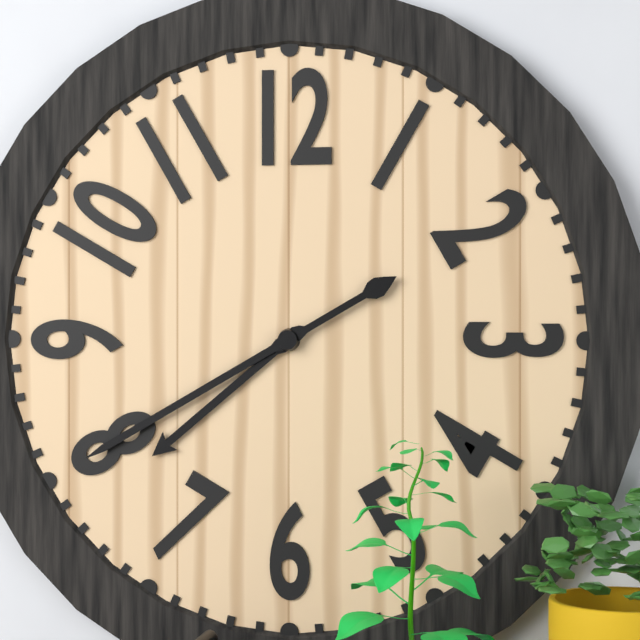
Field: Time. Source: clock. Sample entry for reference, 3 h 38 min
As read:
7 h 40 min
